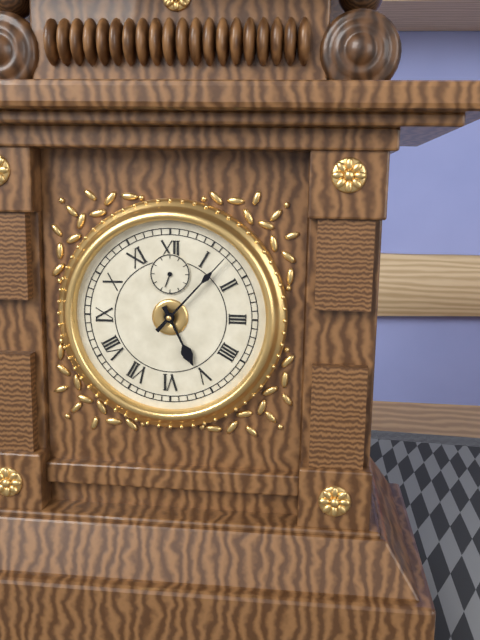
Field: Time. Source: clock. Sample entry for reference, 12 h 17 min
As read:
5 h 07 min
